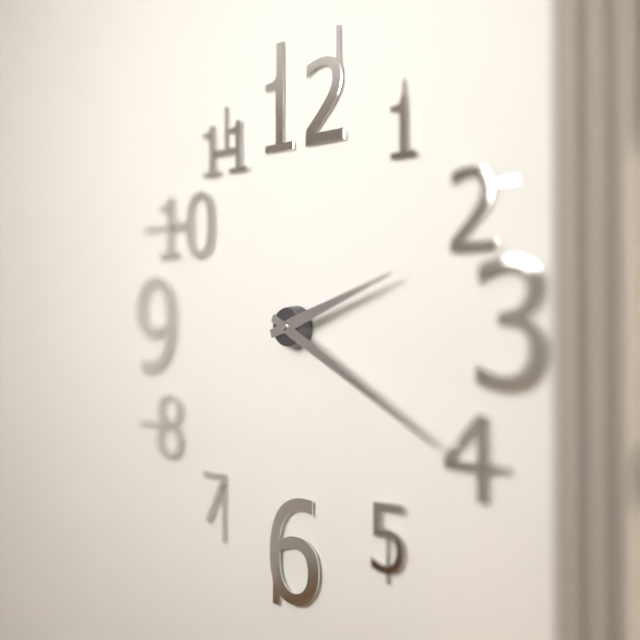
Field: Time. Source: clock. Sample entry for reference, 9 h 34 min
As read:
2 h 20 min
